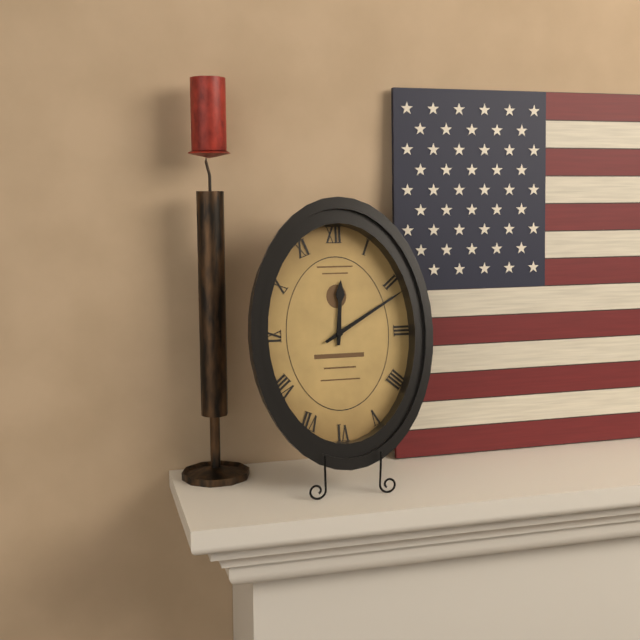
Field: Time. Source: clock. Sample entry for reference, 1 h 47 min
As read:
12 h 10 min
